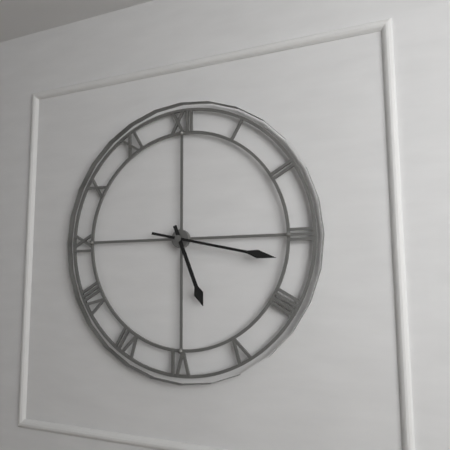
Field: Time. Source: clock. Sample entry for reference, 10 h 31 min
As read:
5 h 17 min
